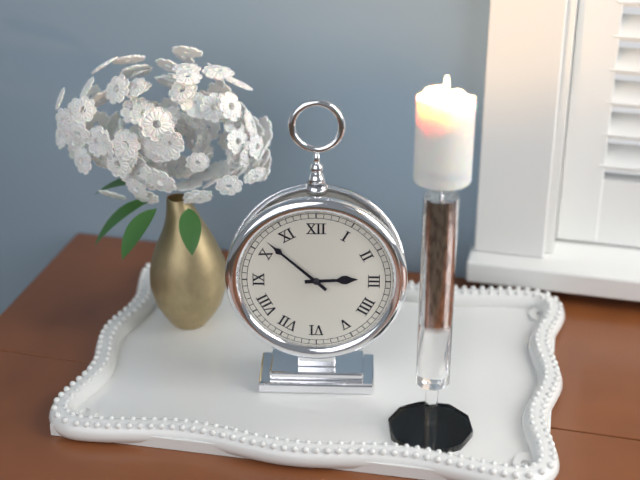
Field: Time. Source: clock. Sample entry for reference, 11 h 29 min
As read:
2 h 52 min
